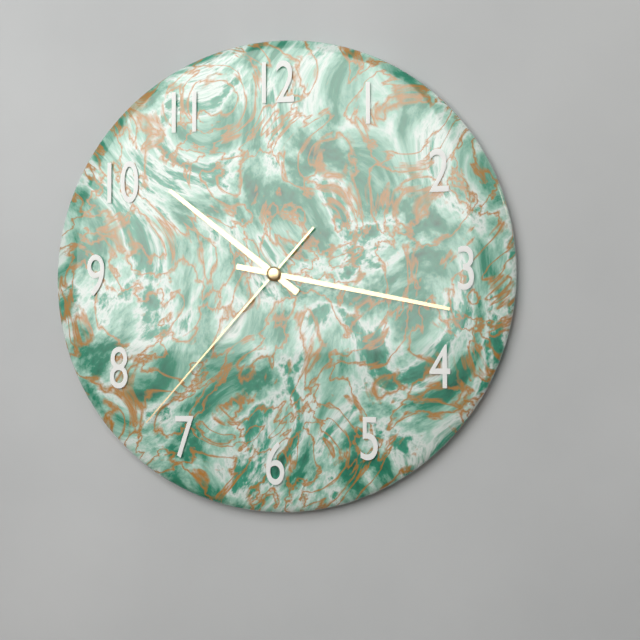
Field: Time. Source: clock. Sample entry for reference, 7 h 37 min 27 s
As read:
10 h 17 min 37 s
